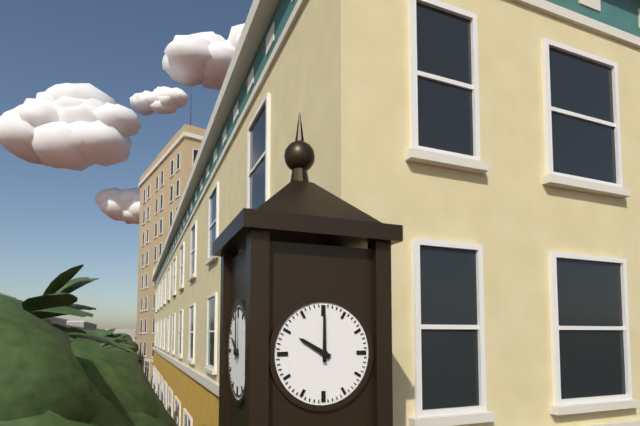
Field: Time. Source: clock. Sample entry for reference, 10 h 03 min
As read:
10 h 00 min
